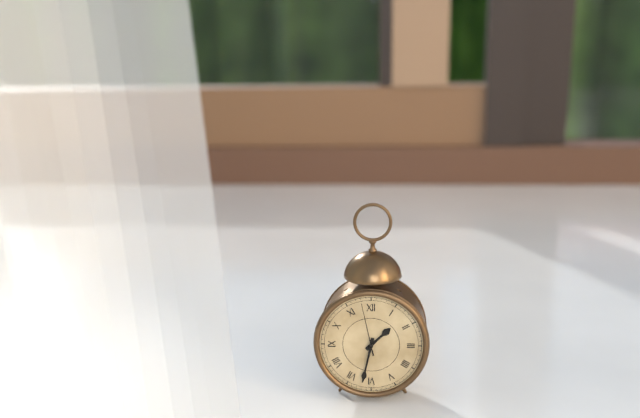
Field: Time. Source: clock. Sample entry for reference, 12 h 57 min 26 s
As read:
1 h 32 min 58 s
